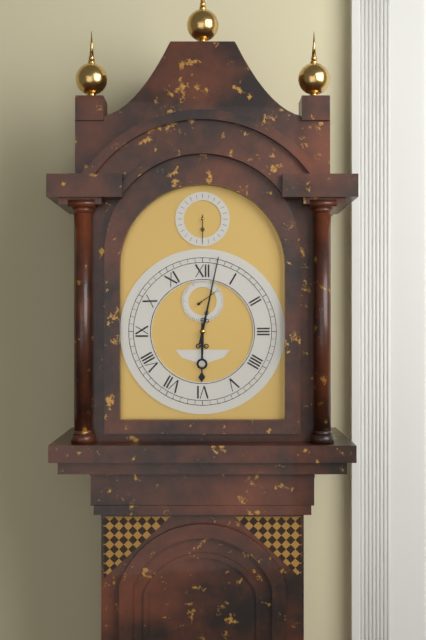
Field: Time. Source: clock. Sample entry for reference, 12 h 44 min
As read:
6 h 02 min
